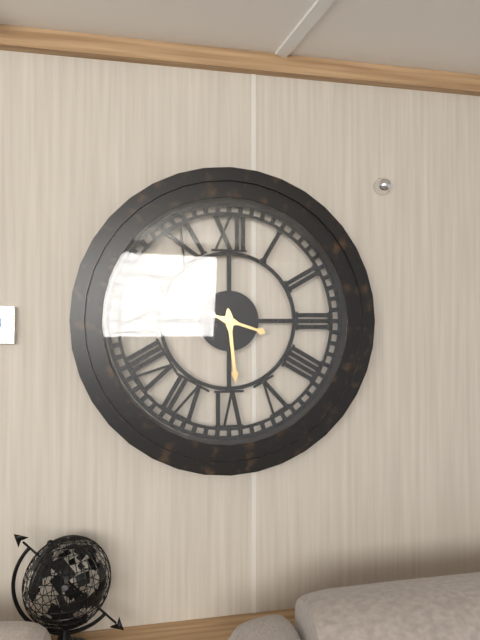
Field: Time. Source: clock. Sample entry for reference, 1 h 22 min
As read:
5 h 48 min
